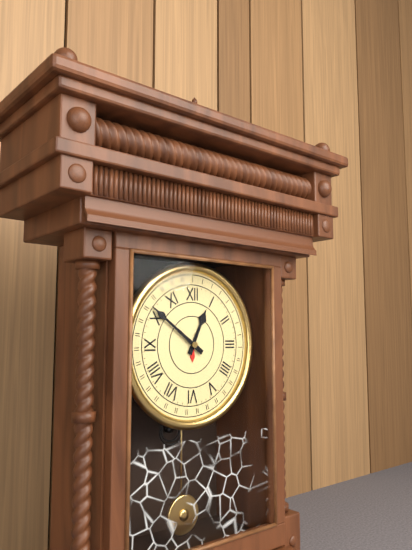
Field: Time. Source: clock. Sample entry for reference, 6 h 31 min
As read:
12 h 51 min
